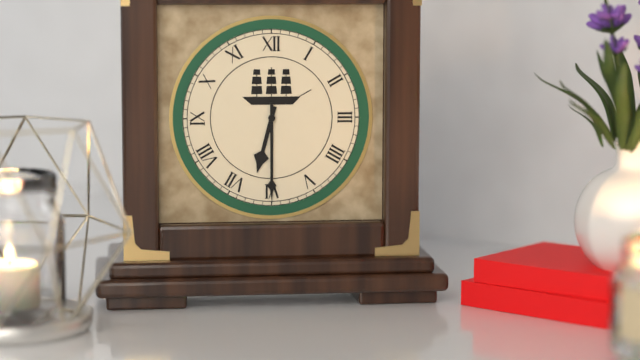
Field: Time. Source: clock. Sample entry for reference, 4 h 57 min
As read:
6 h 30 min
